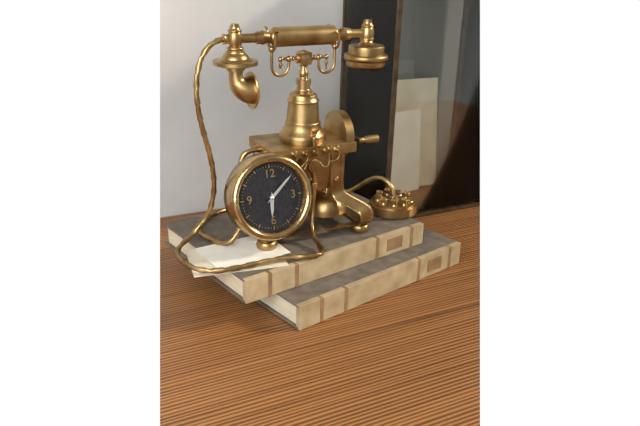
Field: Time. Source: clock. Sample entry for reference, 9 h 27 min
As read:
6 h 08 min
